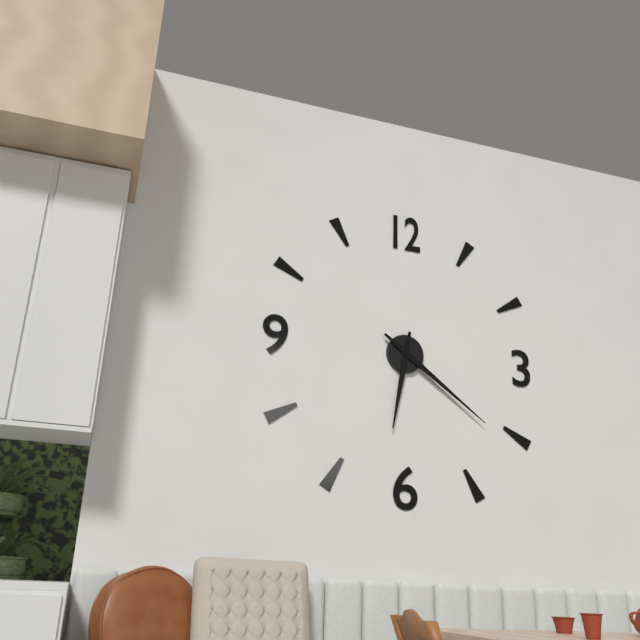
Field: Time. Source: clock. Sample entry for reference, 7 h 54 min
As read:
6 h 21 min
